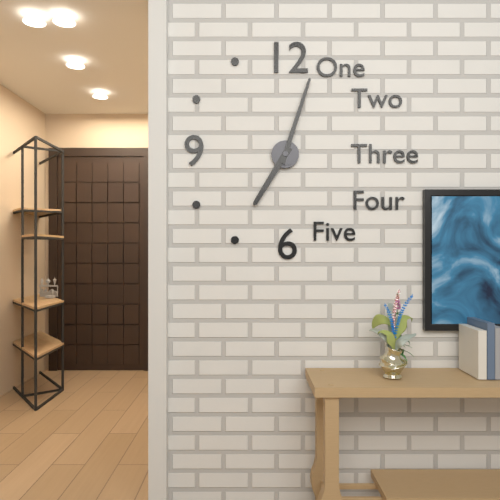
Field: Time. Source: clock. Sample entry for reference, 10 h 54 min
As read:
7 h 03 min
